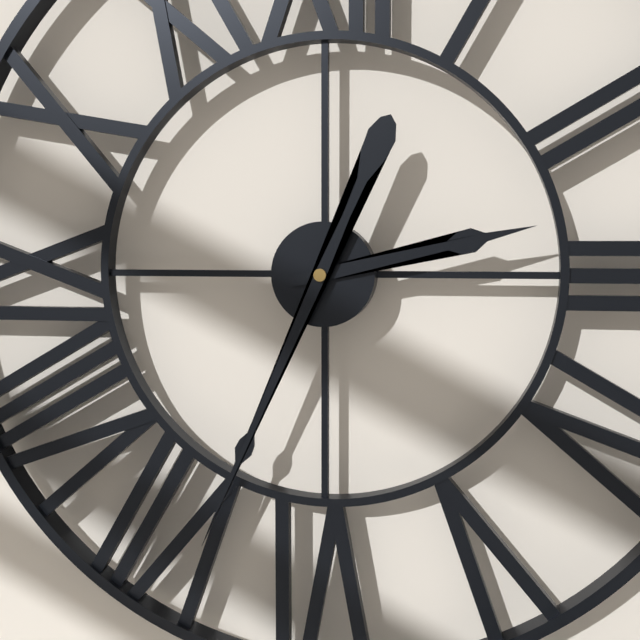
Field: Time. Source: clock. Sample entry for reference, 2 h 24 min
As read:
2 h 34 min
